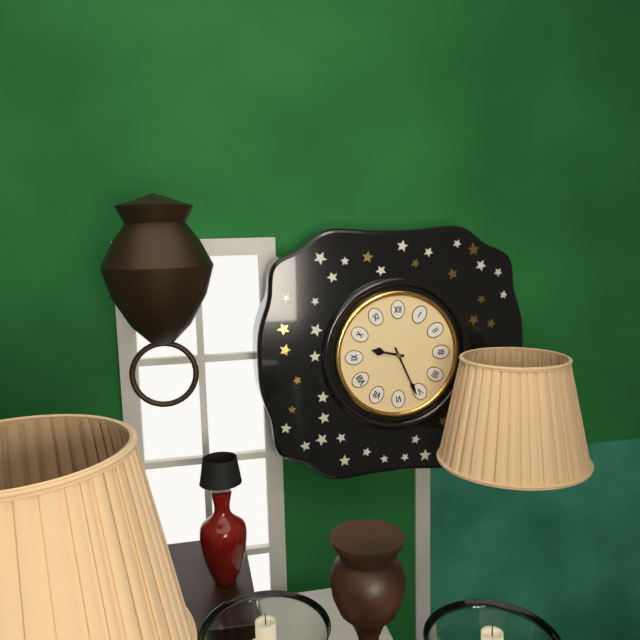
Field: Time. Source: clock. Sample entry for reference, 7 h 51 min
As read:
9 h 26 min
